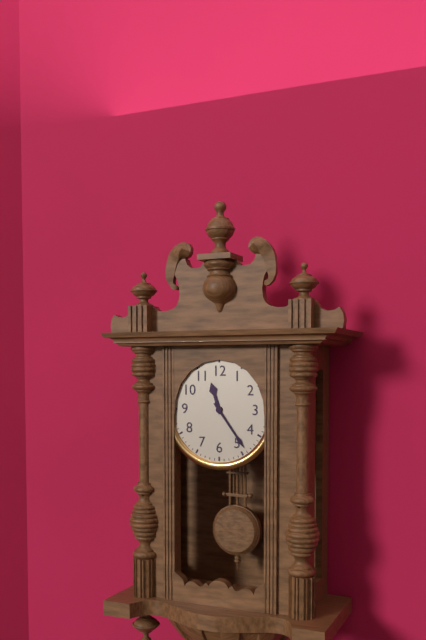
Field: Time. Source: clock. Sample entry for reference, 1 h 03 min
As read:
11 h 24 min
